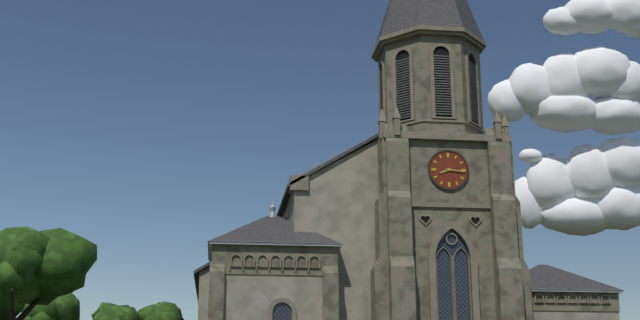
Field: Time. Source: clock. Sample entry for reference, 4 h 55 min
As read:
8 h 16 min
